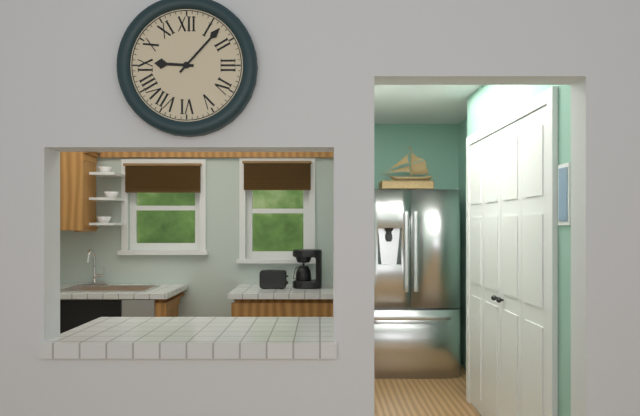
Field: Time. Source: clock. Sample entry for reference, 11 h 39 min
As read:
9 h 07 min
